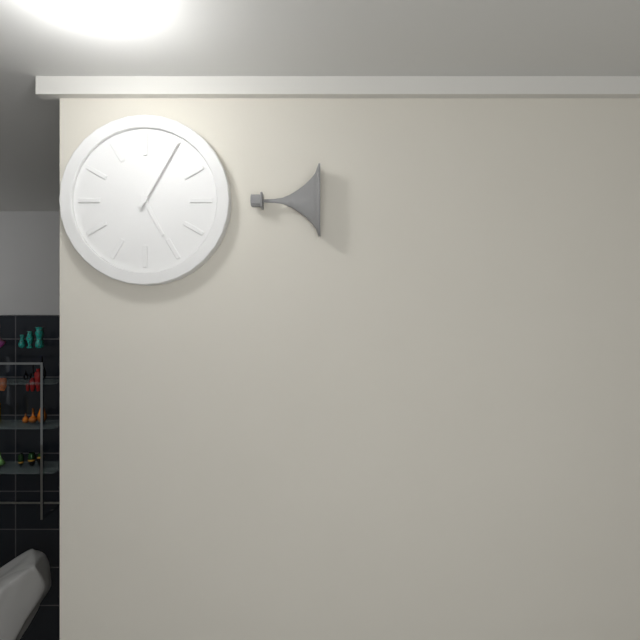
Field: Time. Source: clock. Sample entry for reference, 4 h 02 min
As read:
5 h 05 min
